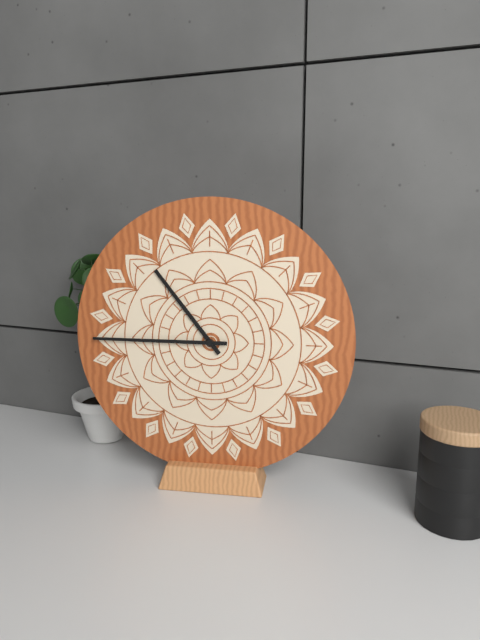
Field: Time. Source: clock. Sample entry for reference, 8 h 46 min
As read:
10 h 45 min
